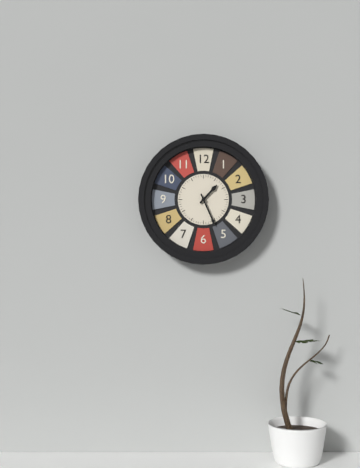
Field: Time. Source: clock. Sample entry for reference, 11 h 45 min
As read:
1 h 26 min
